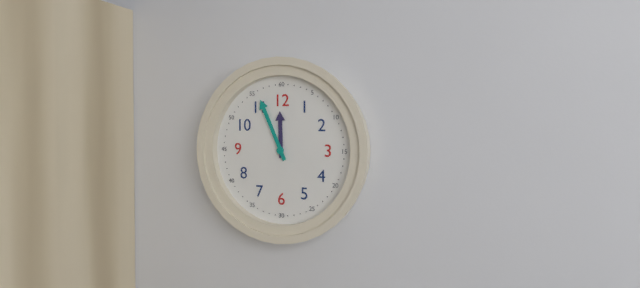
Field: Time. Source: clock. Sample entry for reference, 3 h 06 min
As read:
11 h 56 min
